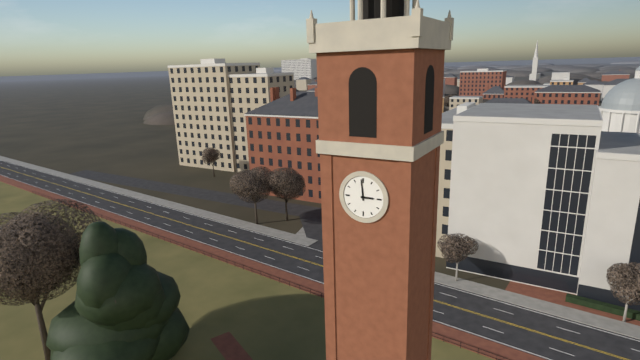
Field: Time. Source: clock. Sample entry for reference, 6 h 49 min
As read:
2 h 59 min
